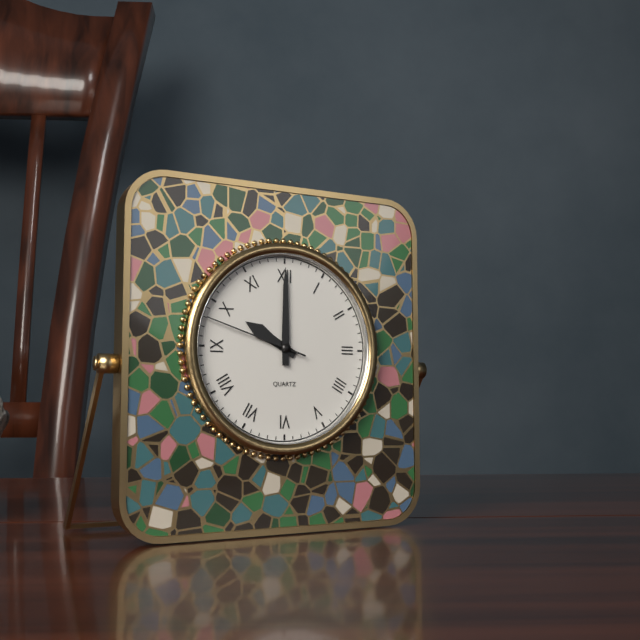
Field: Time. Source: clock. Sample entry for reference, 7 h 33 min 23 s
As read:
10 h 00 min 48 s
